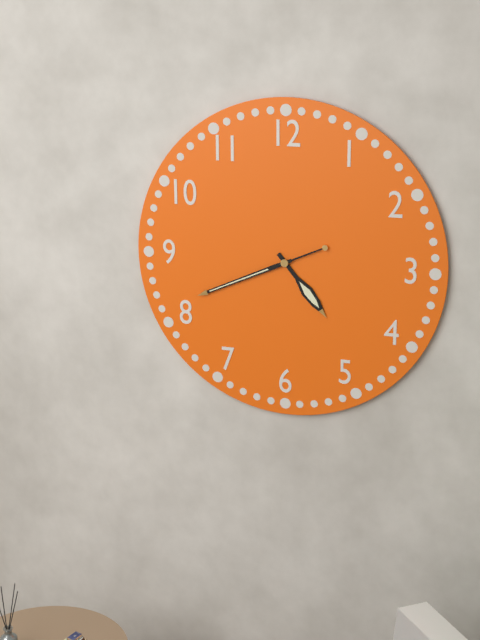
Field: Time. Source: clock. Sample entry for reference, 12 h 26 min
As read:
4 h 41 min
